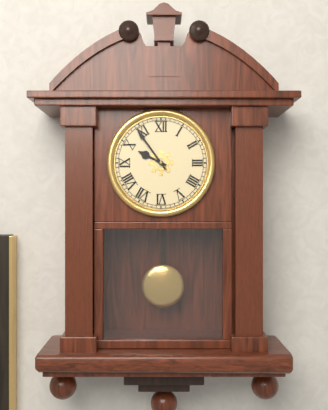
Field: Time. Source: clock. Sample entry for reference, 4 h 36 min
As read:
9 h 54 min
